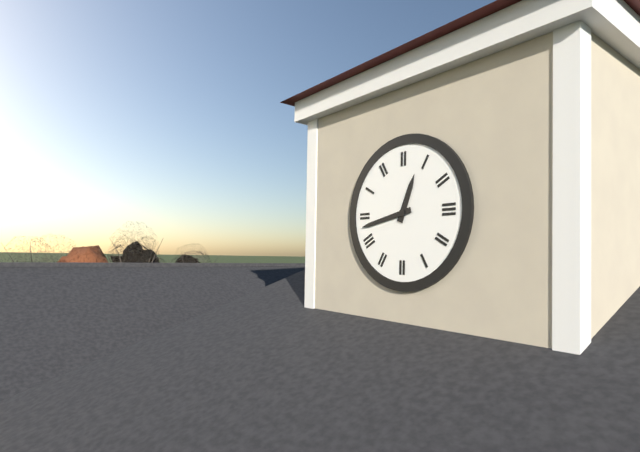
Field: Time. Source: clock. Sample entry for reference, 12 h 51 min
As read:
12 h 43 min
